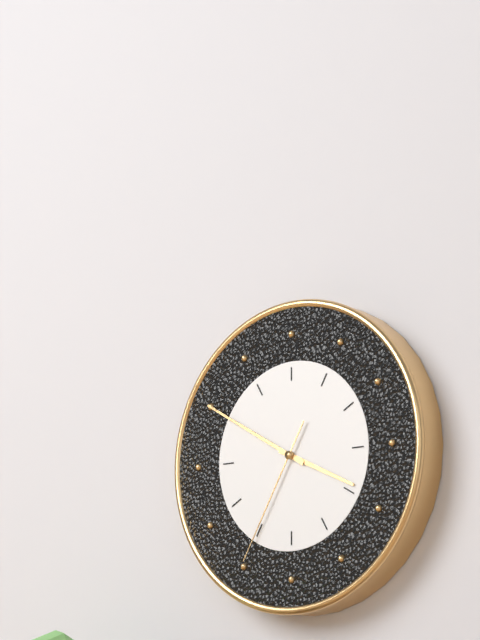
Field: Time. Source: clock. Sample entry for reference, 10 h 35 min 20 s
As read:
3 h 50 min 35 s
